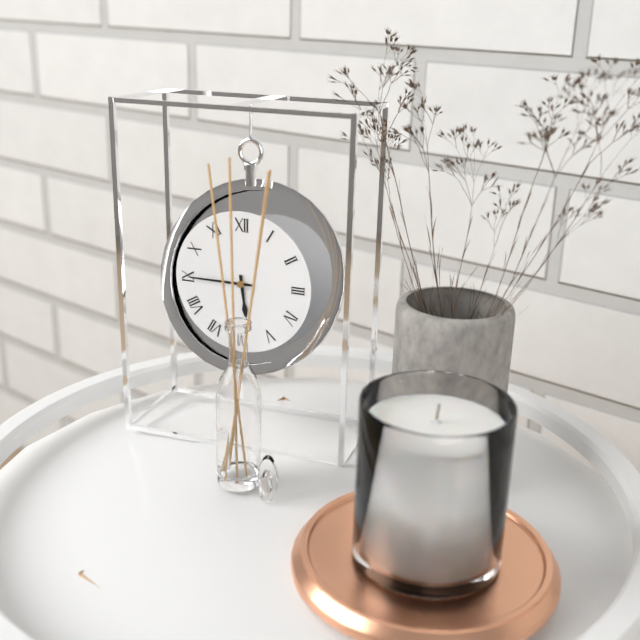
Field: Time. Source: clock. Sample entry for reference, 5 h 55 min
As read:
5 h 45 min
